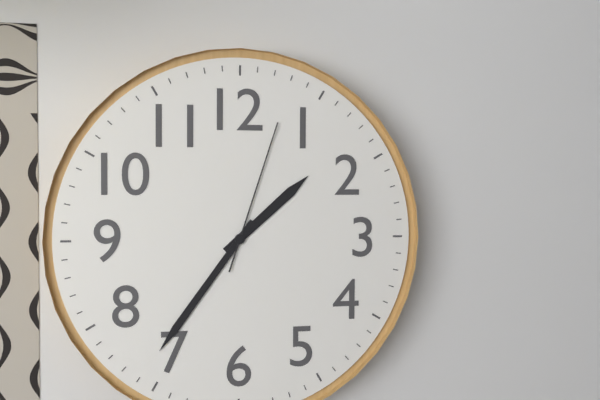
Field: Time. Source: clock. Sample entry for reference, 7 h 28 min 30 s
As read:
1 h 36 min 03 s
